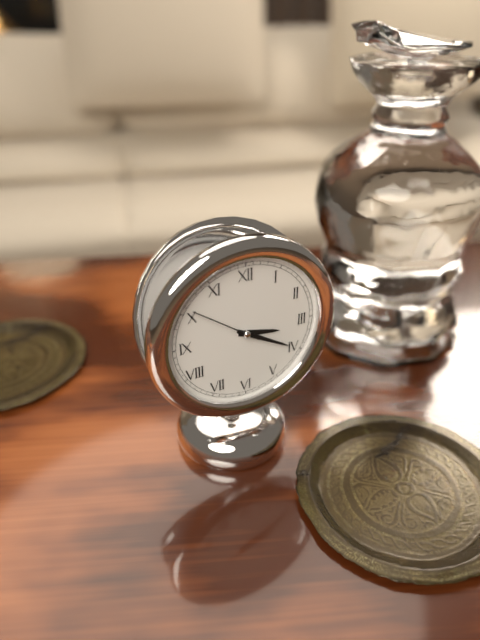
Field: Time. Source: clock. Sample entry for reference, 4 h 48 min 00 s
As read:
3 h 20 min 51 s
